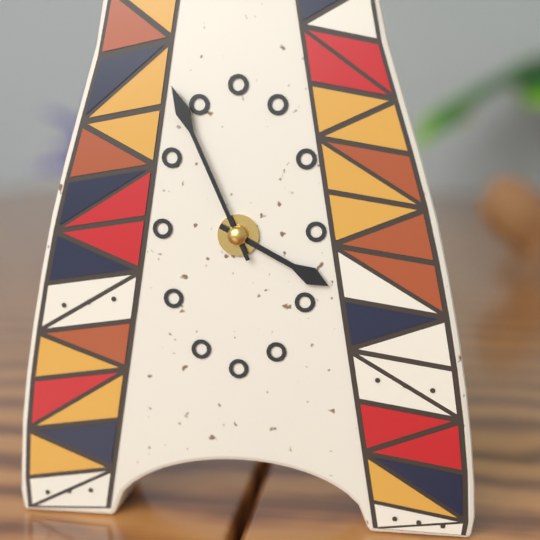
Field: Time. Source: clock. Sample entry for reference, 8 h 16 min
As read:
3 h 56 min
